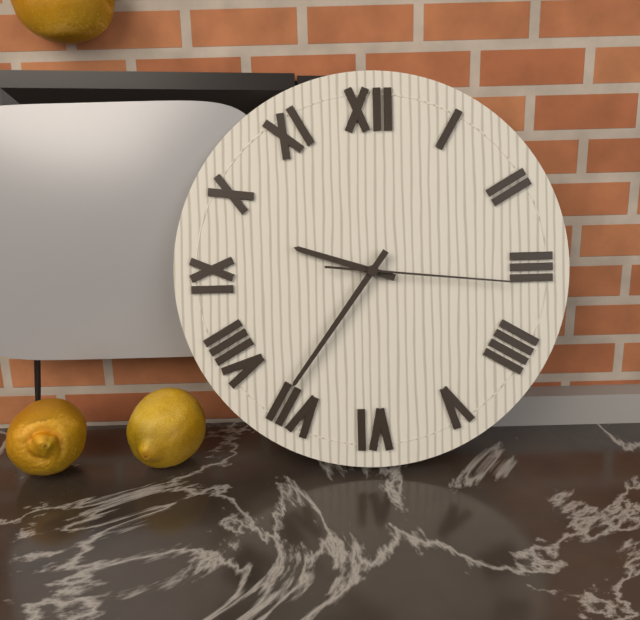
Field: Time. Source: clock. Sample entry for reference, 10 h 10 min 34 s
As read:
9 h 36 min 16 s
